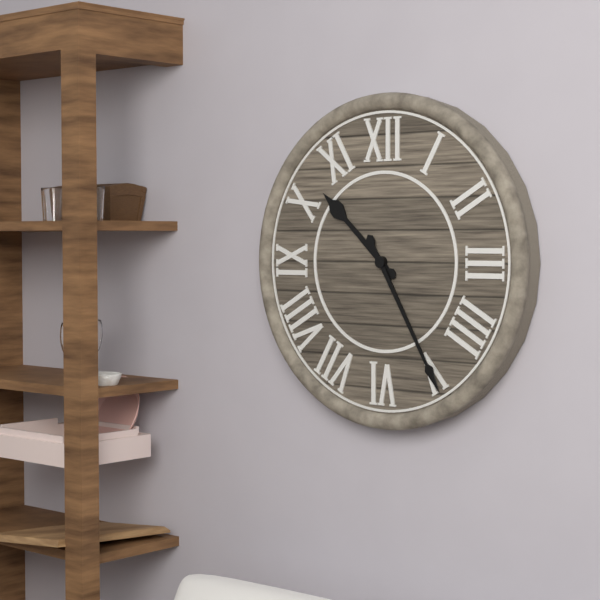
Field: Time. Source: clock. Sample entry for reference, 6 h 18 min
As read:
10 h 25 min
